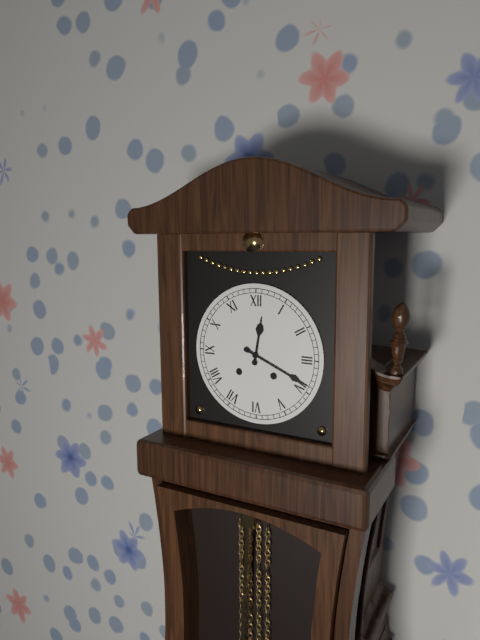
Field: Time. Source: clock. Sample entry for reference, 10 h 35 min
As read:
12 h 19 min
